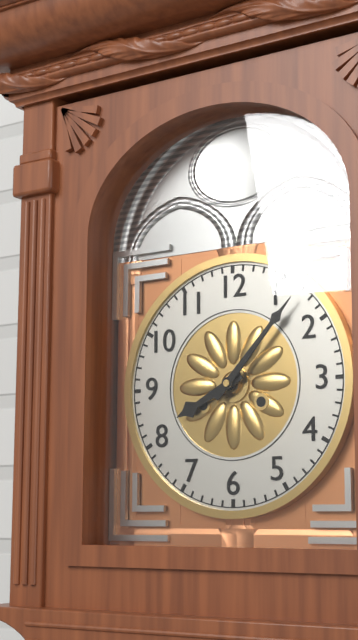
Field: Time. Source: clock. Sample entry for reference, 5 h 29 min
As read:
8 h 07 min
